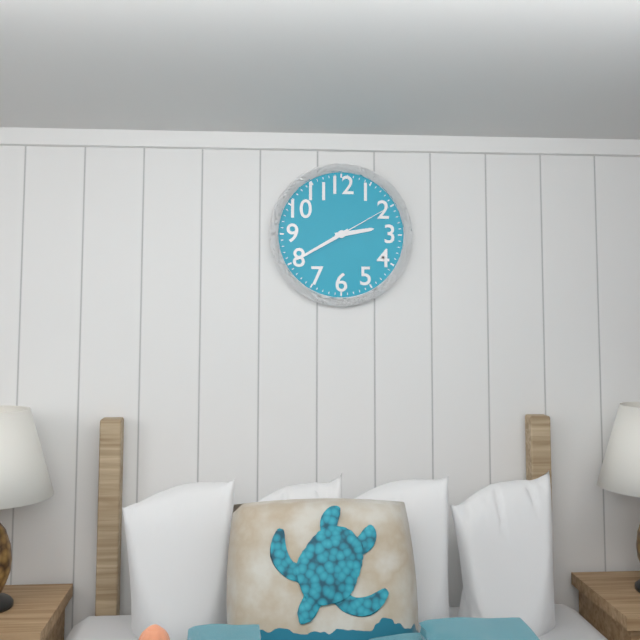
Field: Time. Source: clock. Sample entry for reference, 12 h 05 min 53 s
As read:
2 h 40 min 10 s
